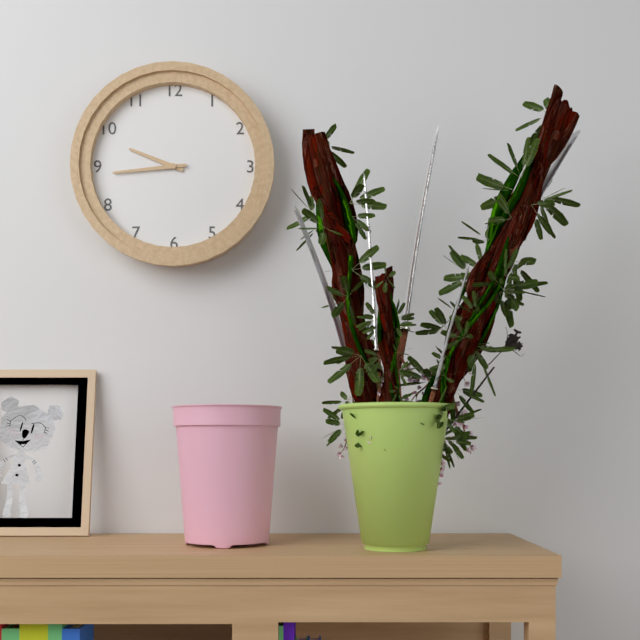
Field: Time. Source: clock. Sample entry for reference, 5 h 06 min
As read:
9 h 44 min
